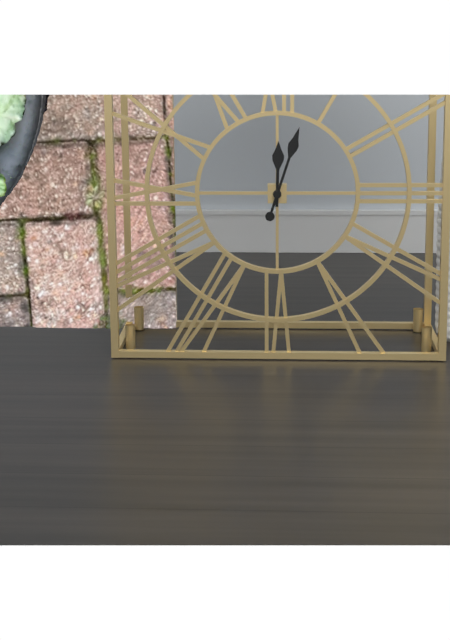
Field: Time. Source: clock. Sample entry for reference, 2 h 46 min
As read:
12 h 03 min
